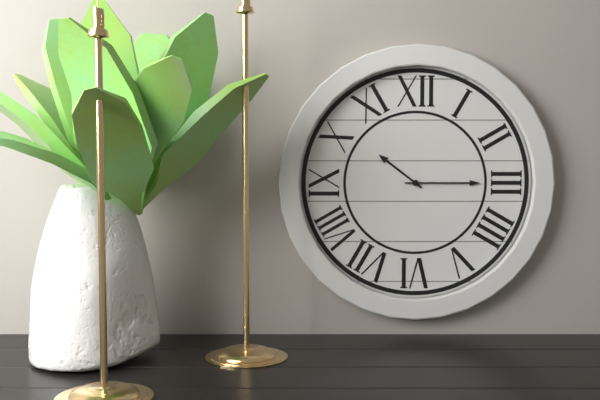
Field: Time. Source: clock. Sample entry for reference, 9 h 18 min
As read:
10 h 15 min
